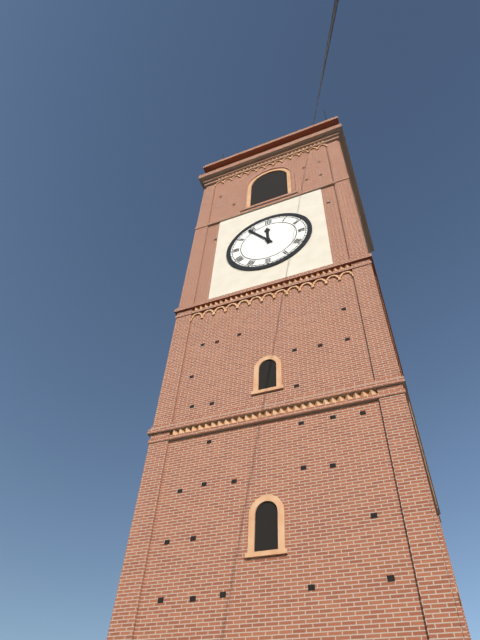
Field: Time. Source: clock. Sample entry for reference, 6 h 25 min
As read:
11 h 54 min
